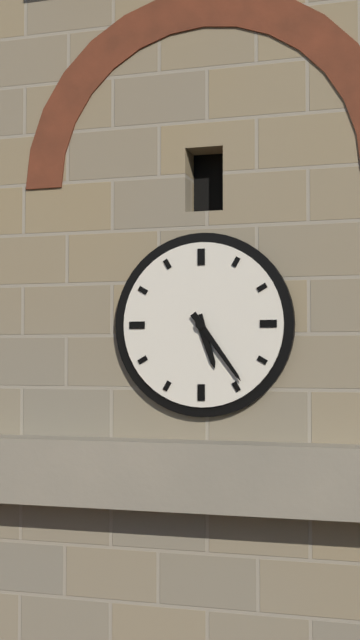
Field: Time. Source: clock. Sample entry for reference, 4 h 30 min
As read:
5 h 24 min
